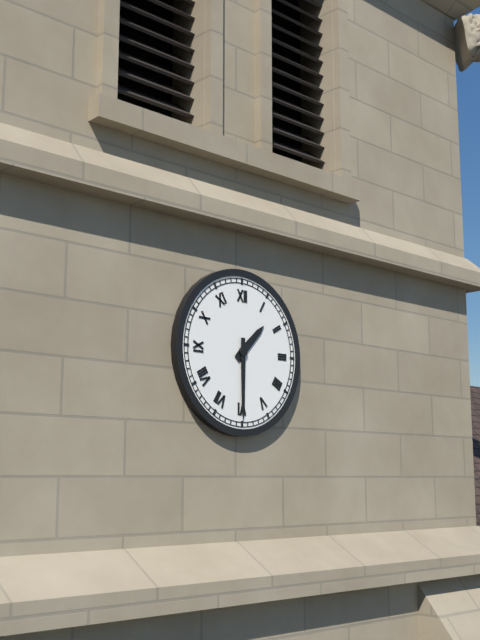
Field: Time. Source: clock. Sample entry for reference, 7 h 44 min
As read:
1 h 30 min
